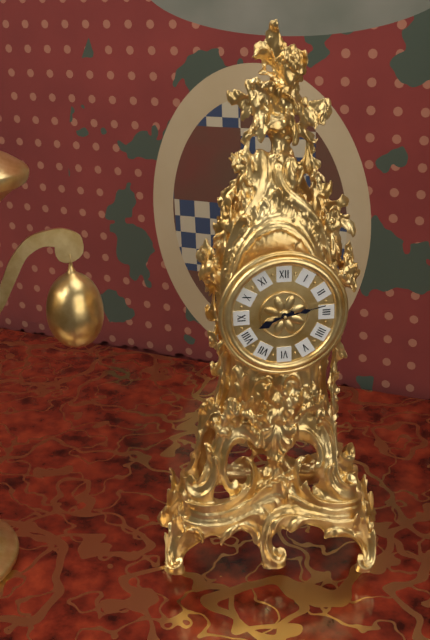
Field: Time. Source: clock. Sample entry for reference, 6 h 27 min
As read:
8 h 13 min
